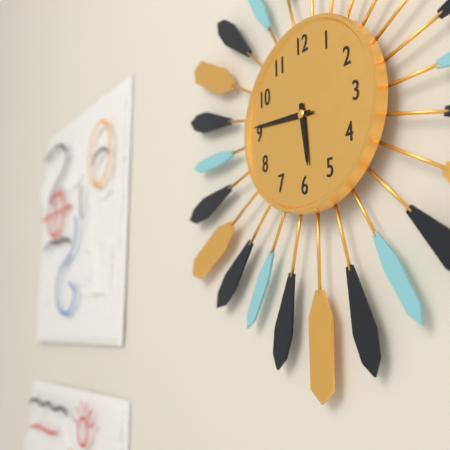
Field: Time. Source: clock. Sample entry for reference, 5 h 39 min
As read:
5 h 46 min
